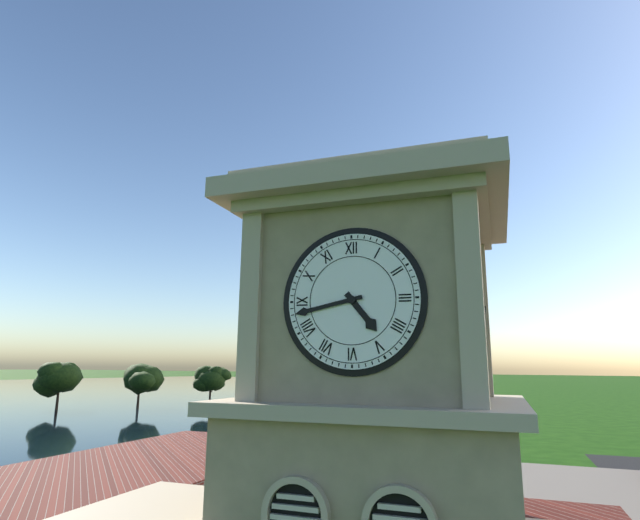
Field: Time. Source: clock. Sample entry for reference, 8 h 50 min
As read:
4 h 43 min
